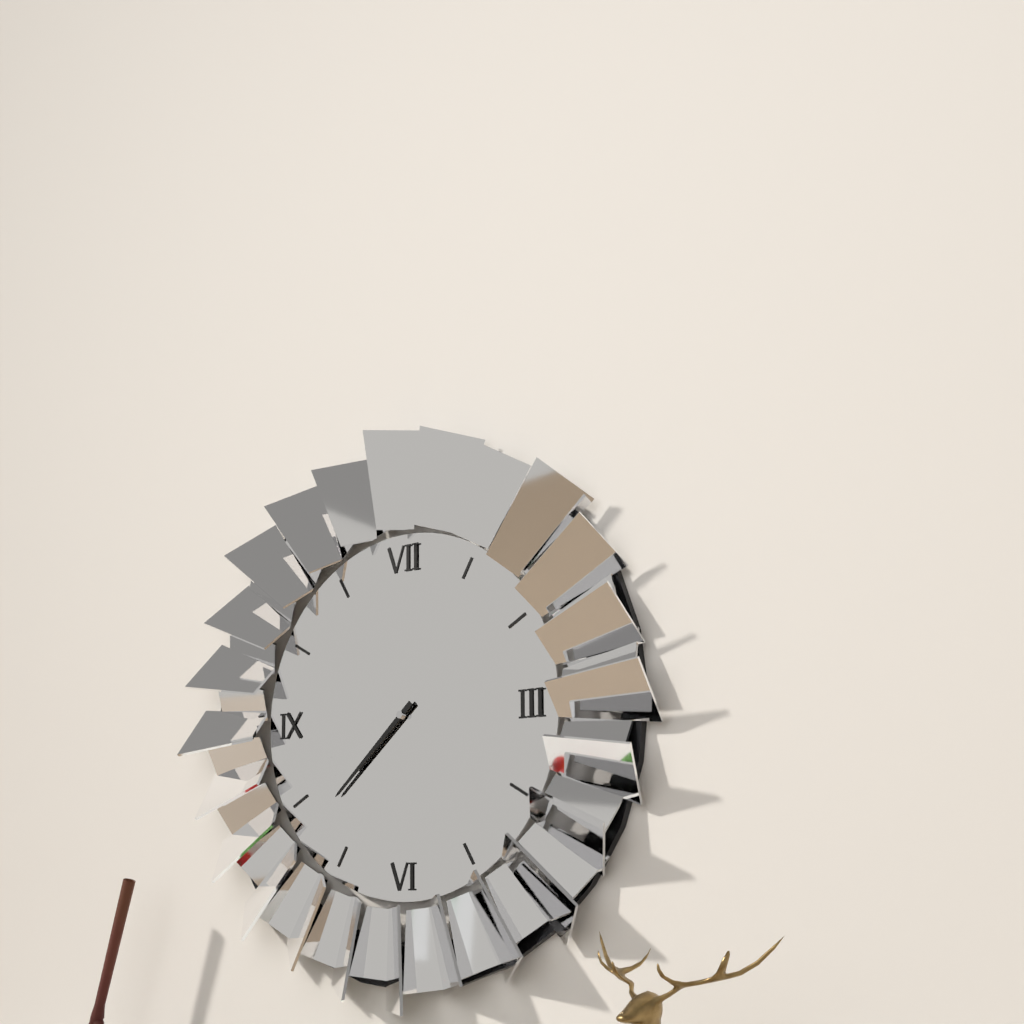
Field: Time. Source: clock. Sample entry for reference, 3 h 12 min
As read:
7 h 38 min
